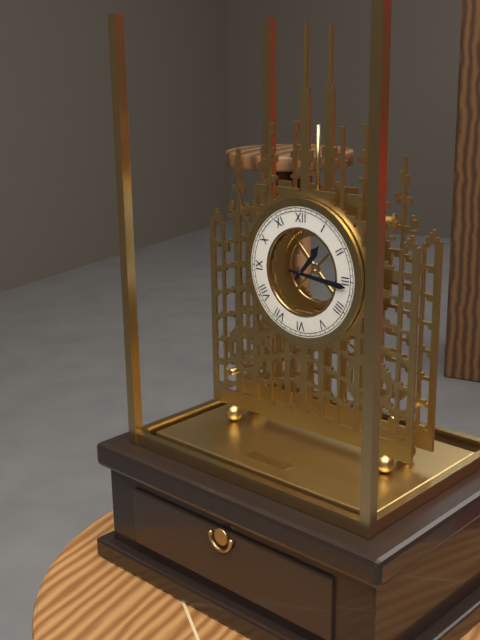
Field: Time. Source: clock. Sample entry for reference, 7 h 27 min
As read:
1 h 16 min
